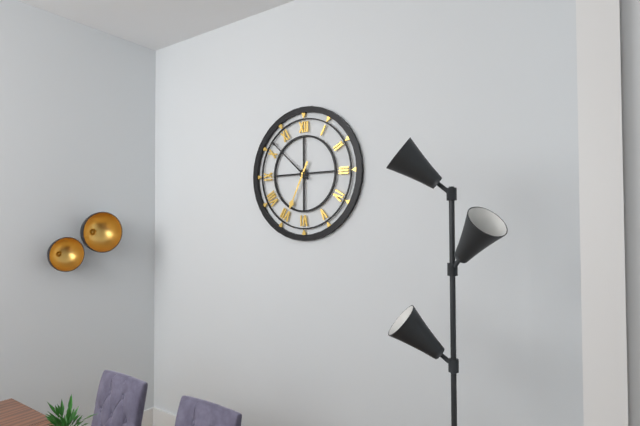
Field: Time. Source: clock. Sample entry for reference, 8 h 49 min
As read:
6 h 52 min
